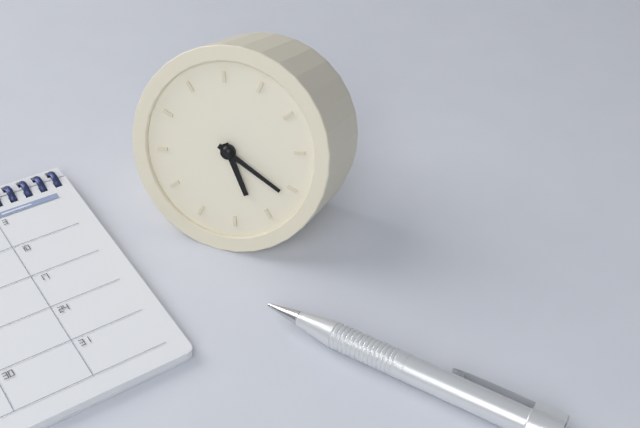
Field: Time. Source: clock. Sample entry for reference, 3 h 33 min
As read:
5 h 21 min
